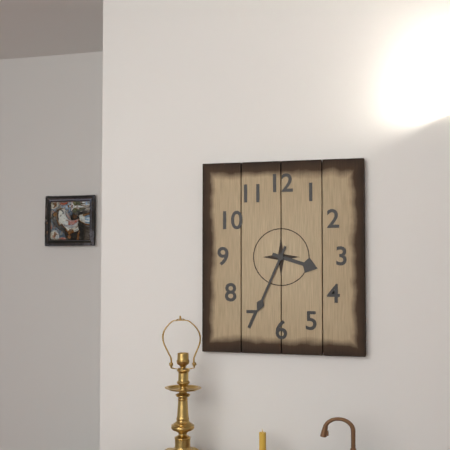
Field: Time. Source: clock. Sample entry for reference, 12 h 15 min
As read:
3 h 34 min
